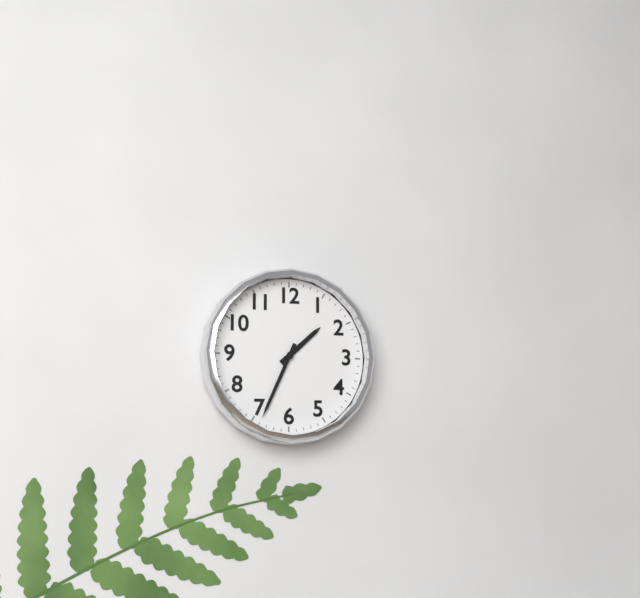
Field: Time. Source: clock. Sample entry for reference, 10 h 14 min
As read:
1 h 34 min
